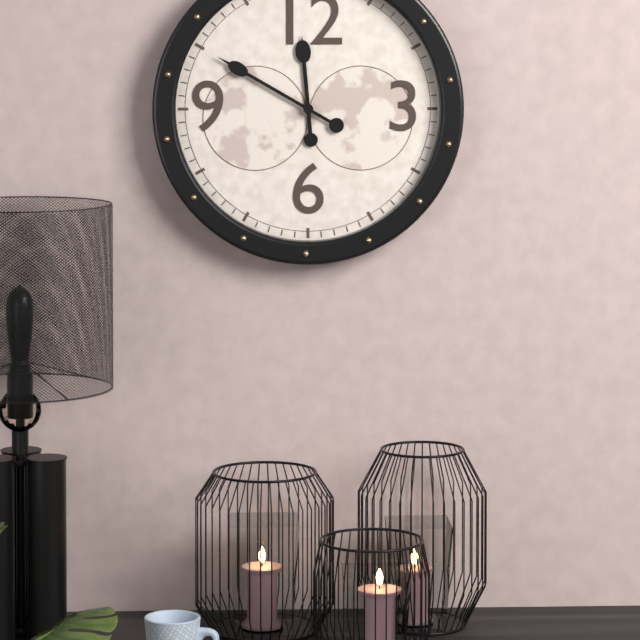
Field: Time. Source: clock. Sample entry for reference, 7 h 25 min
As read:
11 h 50 min
